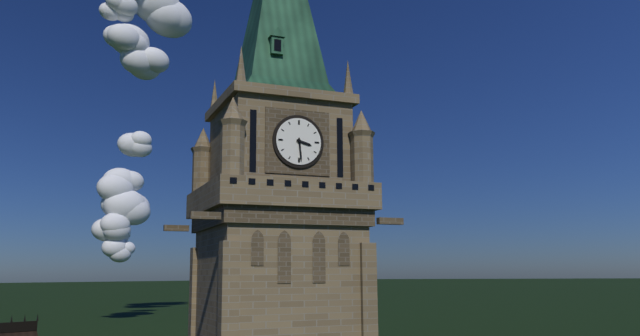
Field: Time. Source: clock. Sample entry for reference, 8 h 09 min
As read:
3 h 29 min
